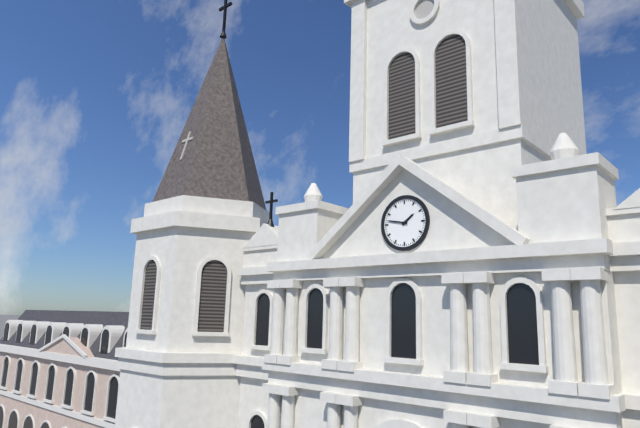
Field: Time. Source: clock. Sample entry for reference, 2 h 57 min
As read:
1 h 47 min
